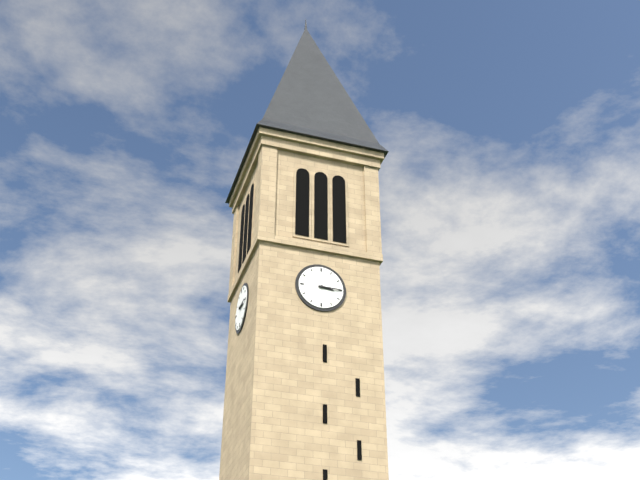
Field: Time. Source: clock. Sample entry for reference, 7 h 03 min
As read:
3 h 15 min
